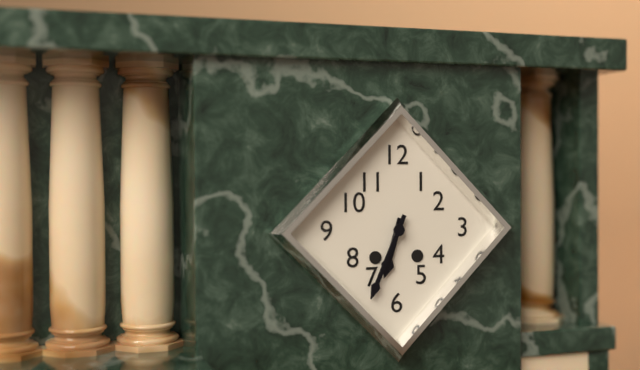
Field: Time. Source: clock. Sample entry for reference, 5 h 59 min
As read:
6 h 34 min
